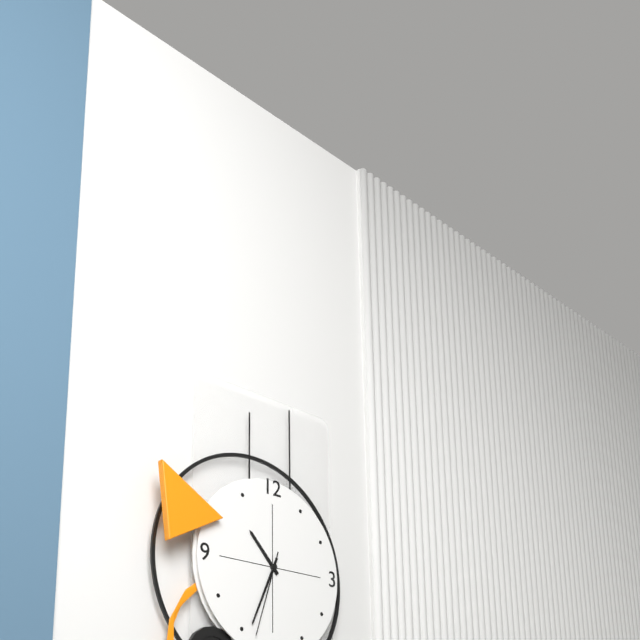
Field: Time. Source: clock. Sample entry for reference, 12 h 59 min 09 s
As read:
10 h 34 min 33 s
